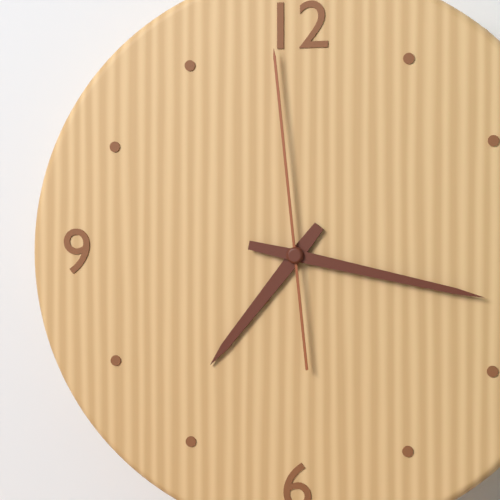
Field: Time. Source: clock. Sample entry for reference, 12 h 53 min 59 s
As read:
7 h 17 min 59 s
